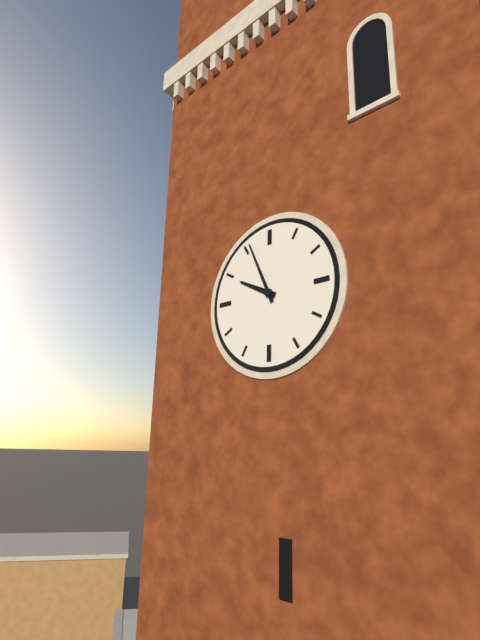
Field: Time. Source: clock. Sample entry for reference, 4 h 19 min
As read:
9 h 56 min
